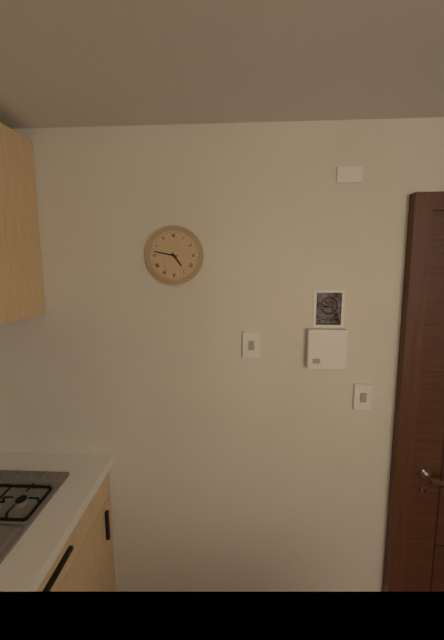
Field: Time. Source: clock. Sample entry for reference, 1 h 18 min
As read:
4 h 47 min
